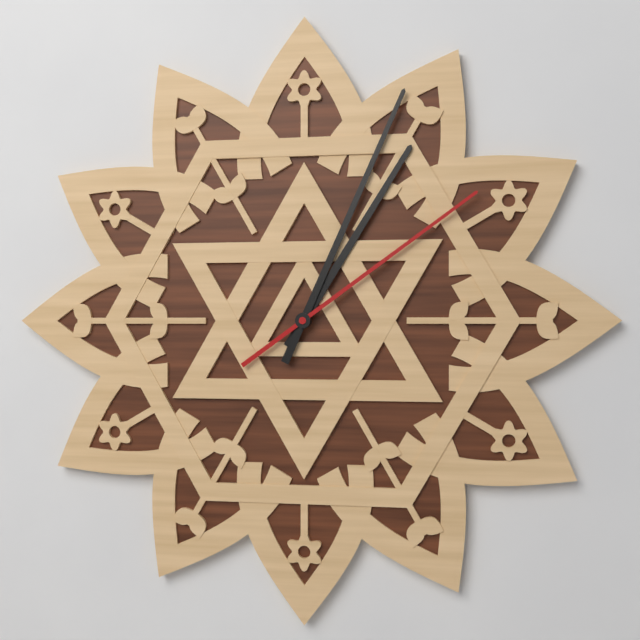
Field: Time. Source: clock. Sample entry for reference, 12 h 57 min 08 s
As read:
1 h 04 min 09 s
